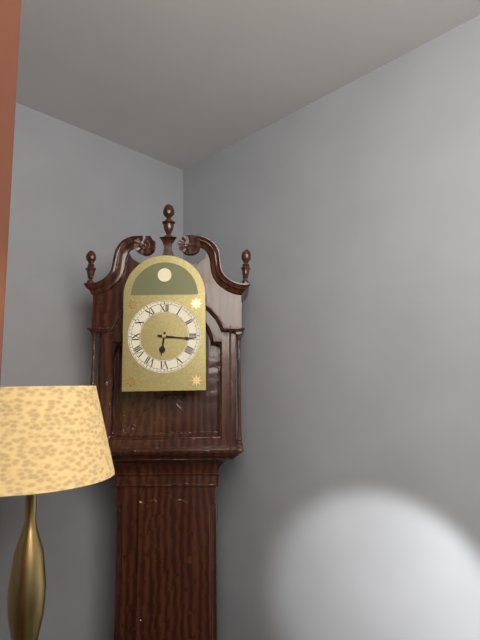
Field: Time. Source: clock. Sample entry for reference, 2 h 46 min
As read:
6 h 16 min
